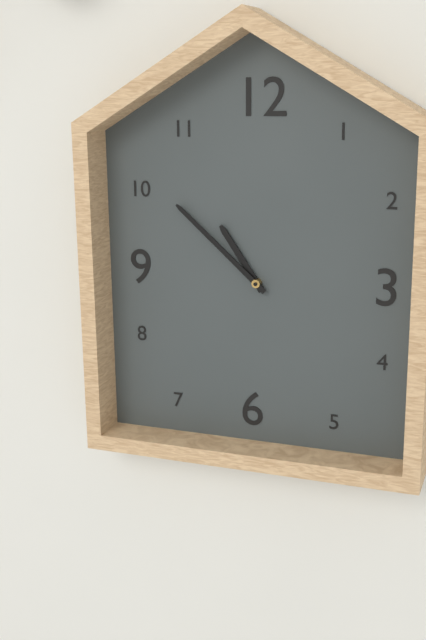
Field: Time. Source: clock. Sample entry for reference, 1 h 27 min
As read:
10 h 52 min
